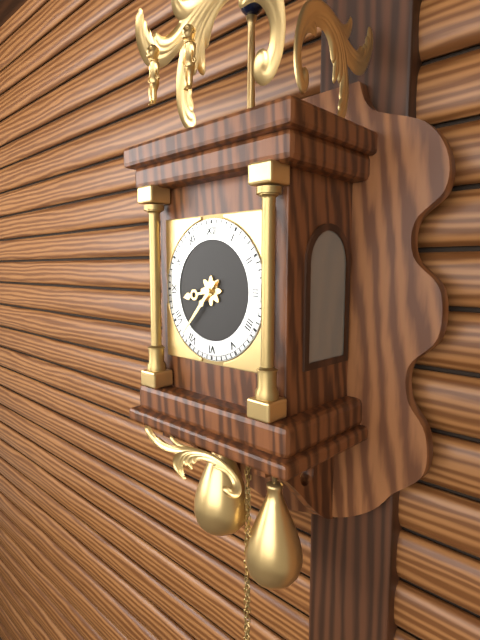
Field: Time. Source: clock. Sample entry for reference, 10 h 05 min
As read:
8 h 37 min
